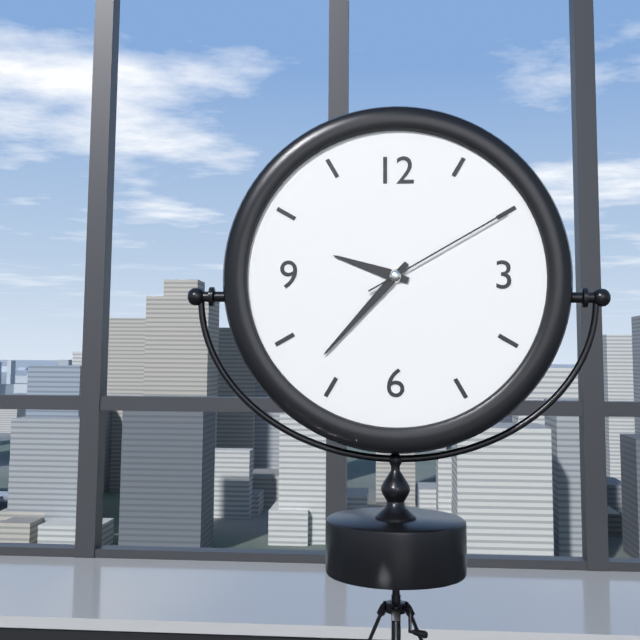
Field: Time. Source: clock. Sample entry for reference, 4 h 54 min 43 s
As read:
9 h 37 min 10 s
